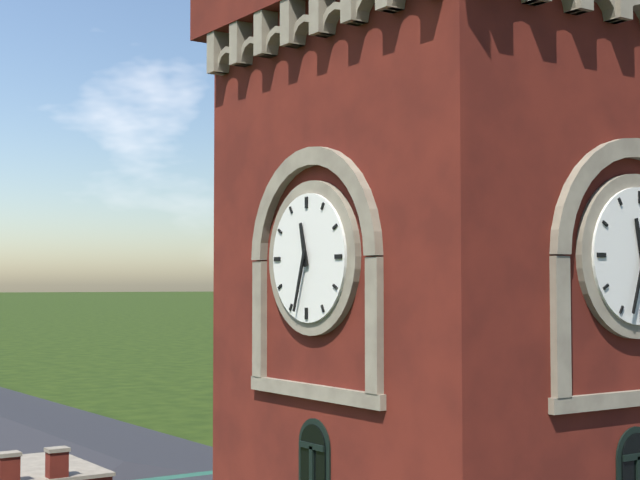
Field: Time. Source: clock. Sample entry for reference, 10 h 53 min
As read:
11 h 33 min
